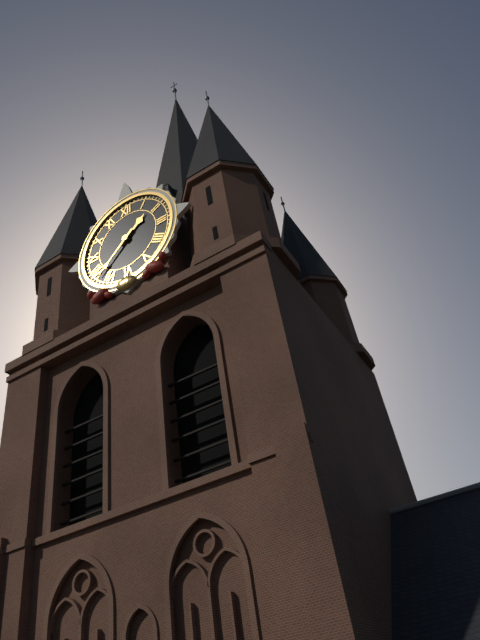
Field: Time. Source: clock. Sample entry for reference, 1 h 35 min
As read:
1 h 38 min
